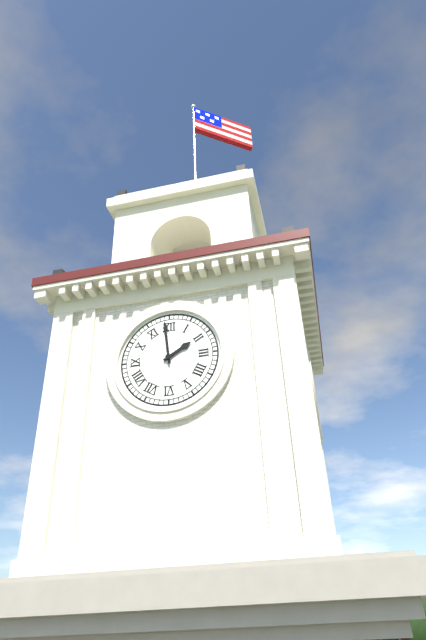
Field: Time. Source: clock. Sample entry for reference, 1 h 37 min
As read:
1 h 59 min
